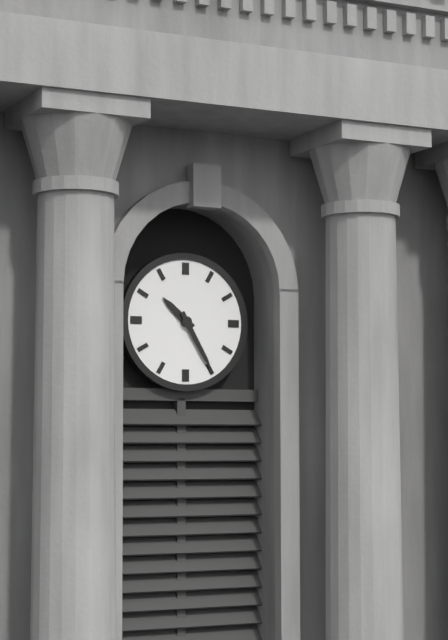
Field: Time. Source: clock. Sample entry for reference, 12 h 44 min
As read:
10 h 25 min
